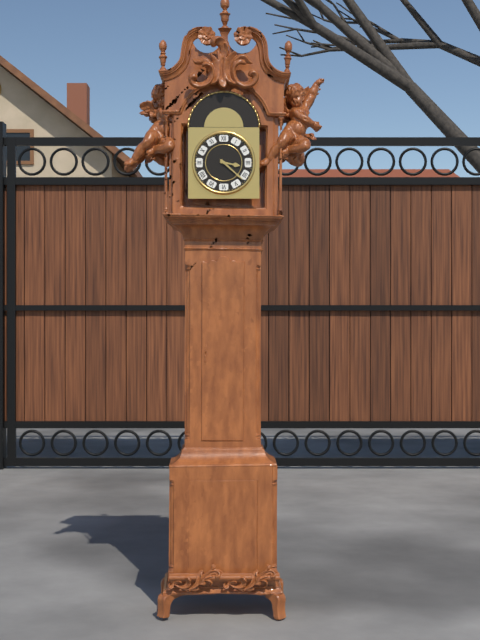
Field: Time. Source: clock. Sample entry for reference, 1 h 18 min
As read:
3 h 22 min
